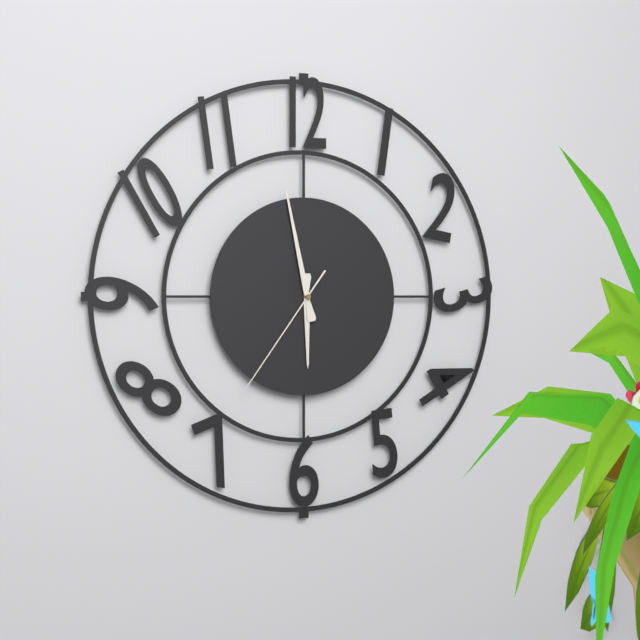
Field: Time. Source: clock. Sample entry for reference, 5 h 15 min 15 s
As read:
5 h 58 min 36 s
